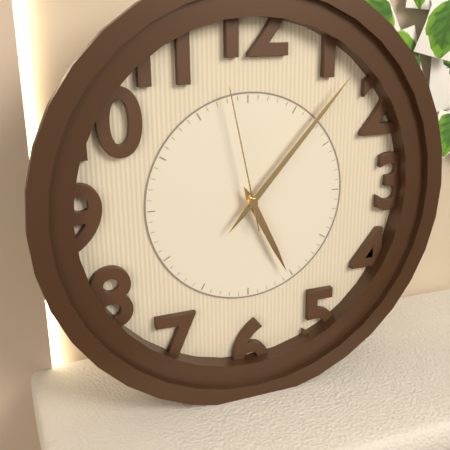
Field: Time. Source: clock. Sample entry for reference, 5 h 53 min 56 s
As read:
5 h 07 min 58 s
